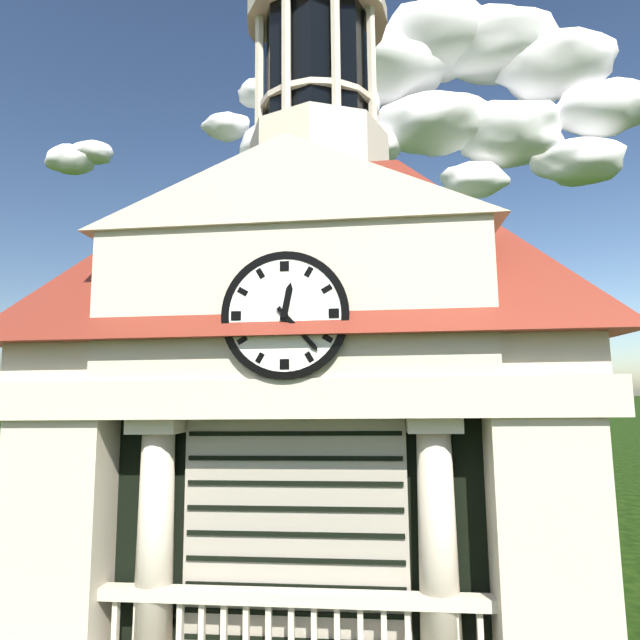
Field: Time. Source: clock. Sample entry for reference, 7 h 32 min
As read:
12 h 23 min
